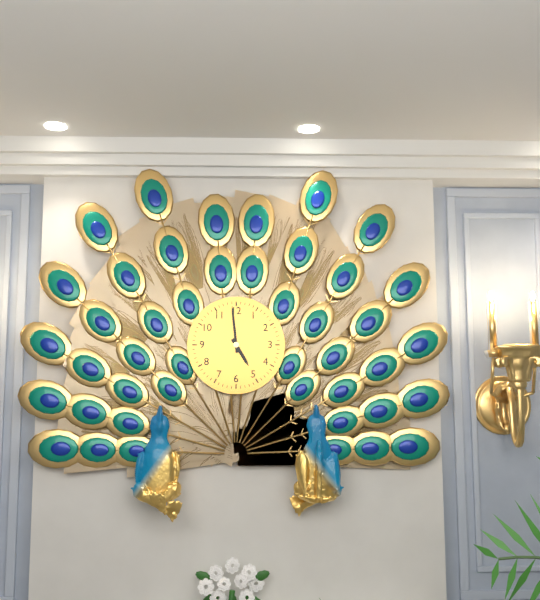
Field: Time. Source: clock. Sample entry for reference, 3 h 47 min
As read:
4 h 59 min
